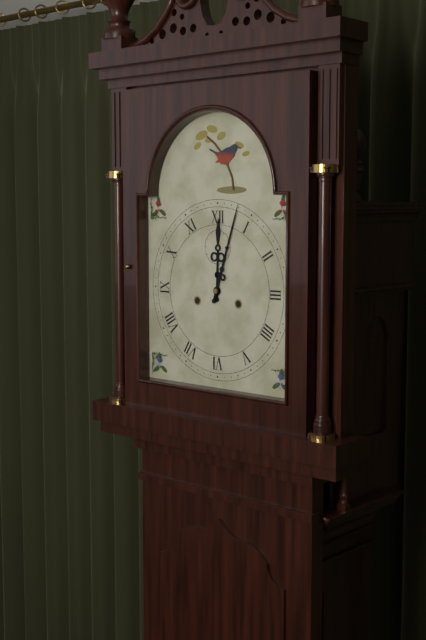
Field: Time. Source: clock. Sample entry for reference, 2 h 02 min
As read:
12 h 03 min
